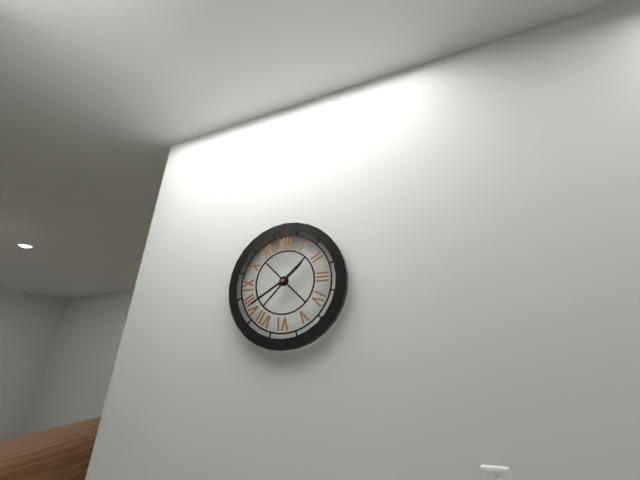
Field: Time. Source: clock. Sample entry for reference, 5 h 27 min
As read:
1 h 40 min
